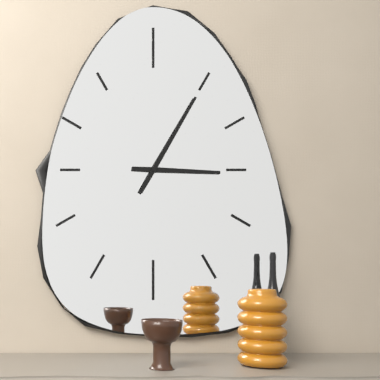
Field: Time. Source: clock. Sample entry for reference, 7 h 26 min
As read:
3 h 05 min
